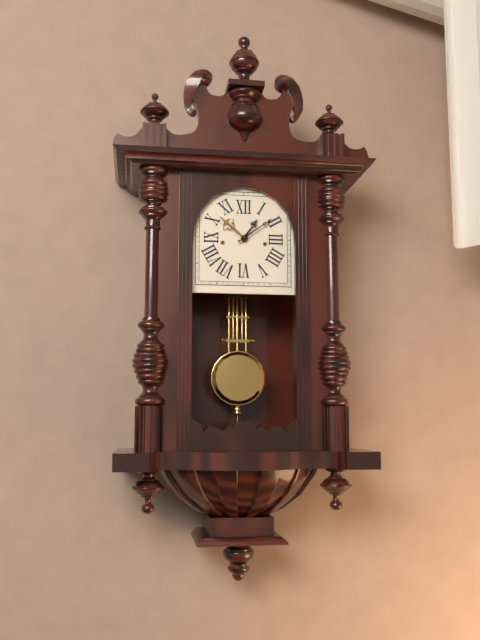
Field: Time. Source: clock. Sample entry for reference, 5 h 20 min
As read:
1 h 09 min
